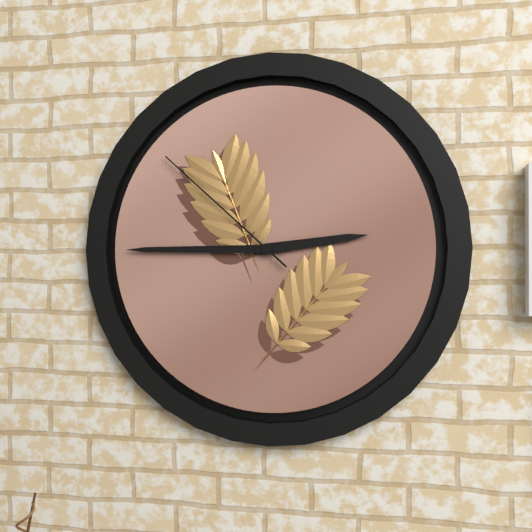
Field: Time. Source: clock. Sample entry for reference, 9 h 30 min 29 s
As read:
2 h 45 min 52 s
